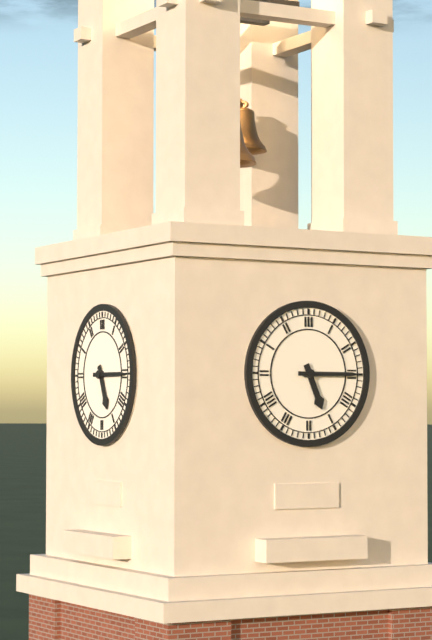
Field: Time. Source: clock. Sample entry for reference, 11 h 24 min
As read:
5 h 15 min
